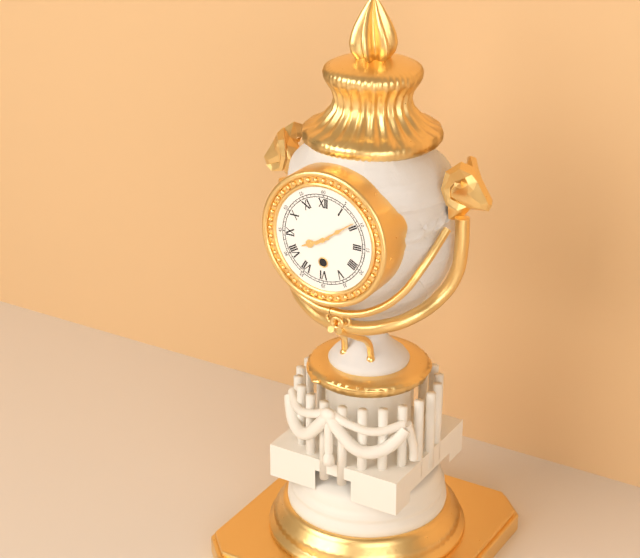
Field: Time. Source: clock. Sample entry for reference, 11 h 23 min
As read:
8 h 09 min
